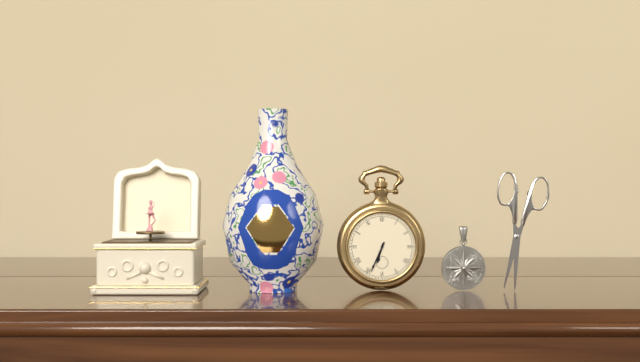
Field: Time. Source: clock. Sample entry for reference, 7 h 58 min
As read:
6 h 34 min
